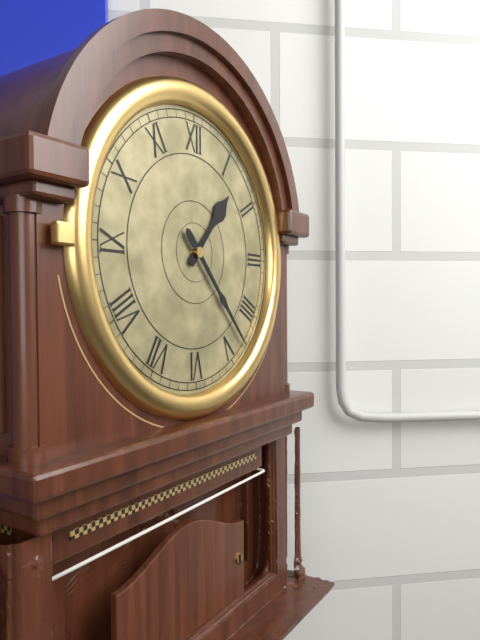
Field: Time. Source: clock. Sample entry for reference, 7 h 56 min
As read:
1 h 23 min
